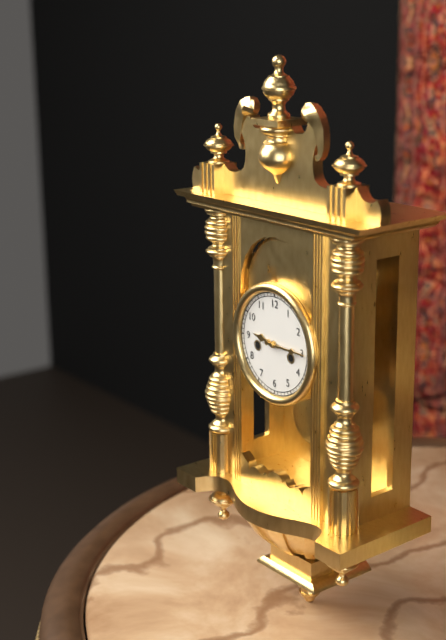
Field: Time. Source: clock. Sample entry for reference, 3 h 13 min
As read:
9 h 15 min
